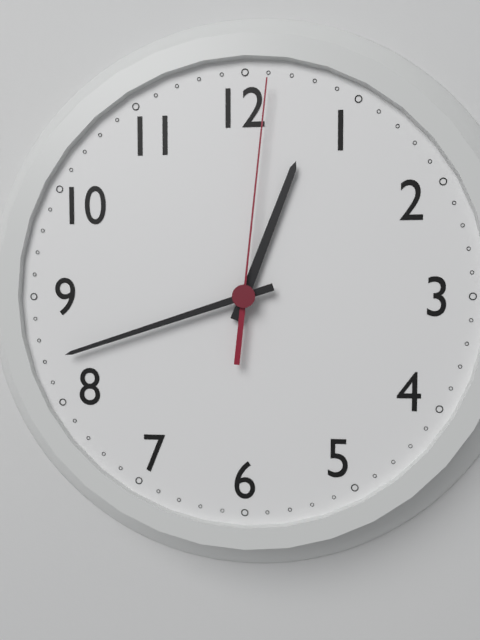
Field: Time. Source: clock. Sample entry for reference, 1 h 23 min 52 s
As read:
12 h 42 min 01 s
